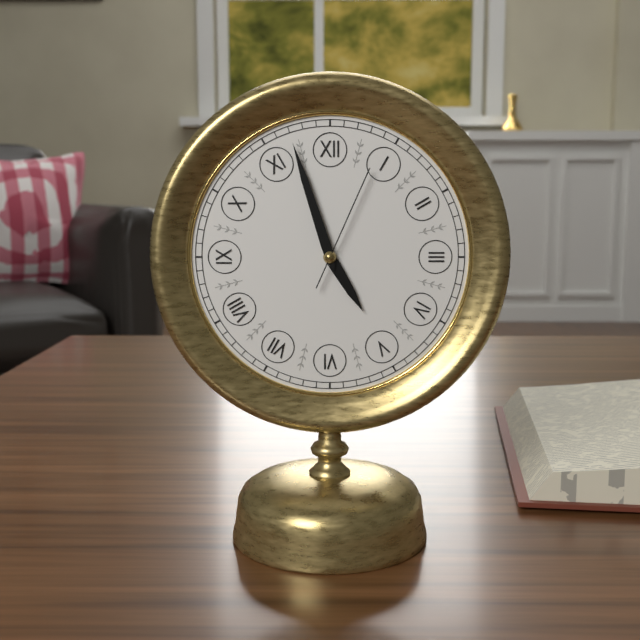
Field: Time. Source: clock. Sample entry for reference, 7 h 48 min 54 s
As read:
4 h 57 min 04 s
